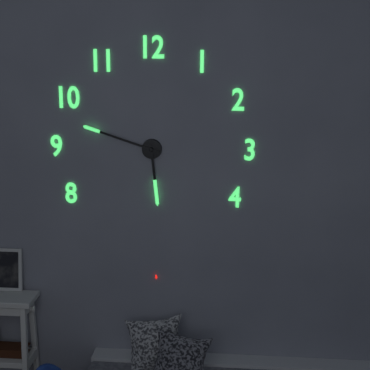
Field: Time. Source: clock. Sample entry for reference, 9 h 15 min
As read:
5 h 48 min
